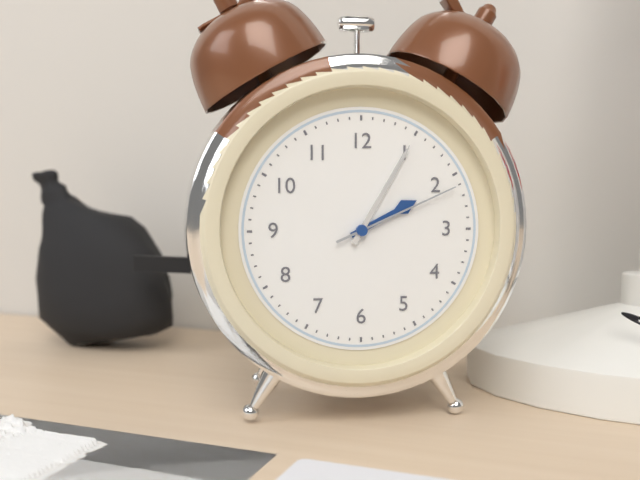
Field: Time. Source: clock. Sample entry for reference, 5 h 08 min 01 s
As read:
2 h 05 min 11 s
